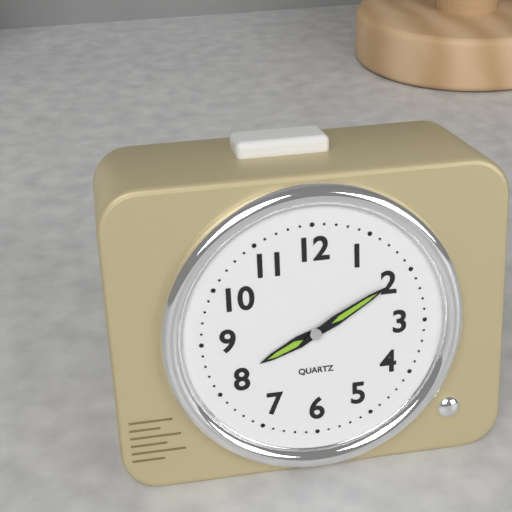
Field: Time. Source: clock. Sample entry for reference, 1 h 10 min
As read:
8 h 10 min
